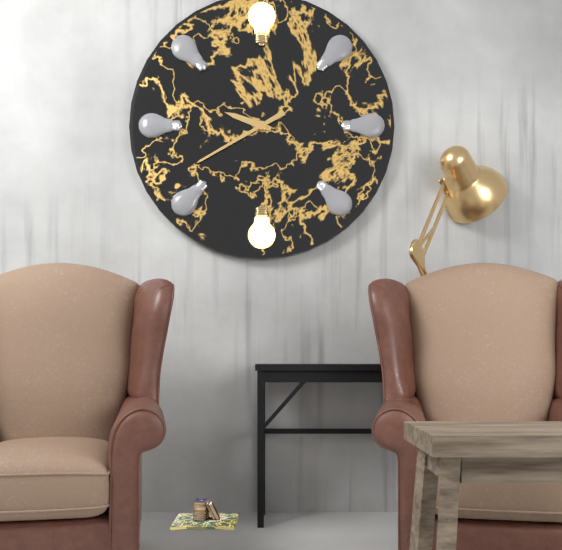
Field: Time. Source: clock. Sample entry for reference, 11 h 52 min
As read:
9 h 40 min
